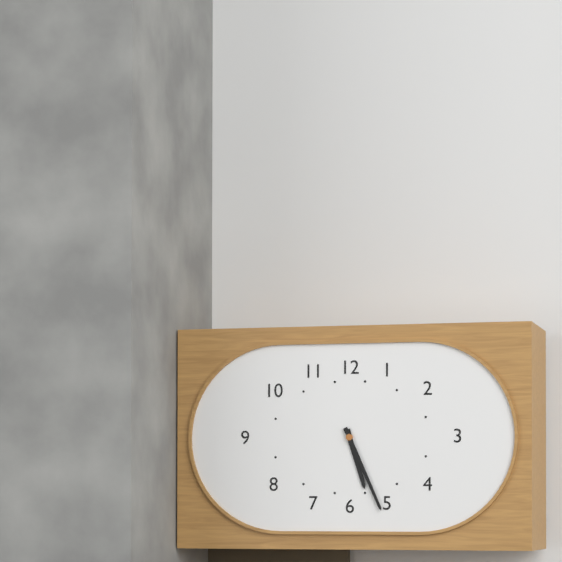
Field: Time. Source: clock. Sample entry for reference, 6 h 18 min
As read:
5 h 26 min
